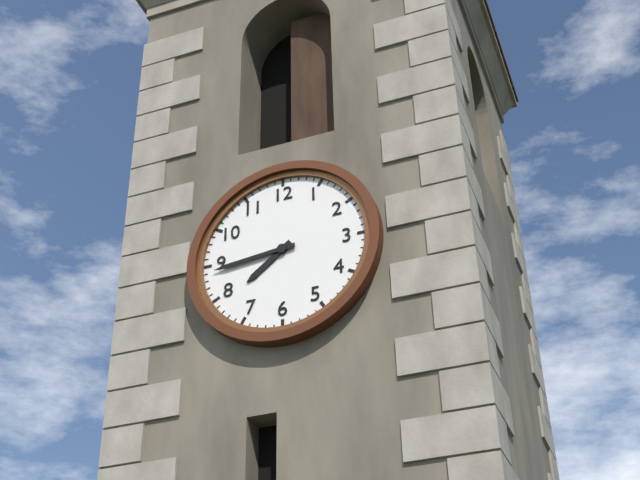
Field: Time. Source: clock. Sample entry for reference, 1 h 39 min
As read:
7 h 44 min
